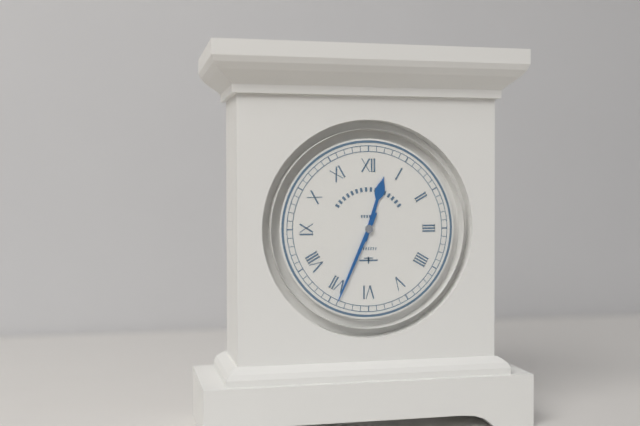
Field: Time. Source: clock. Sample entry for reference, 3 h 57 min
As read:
12 h 34 min
